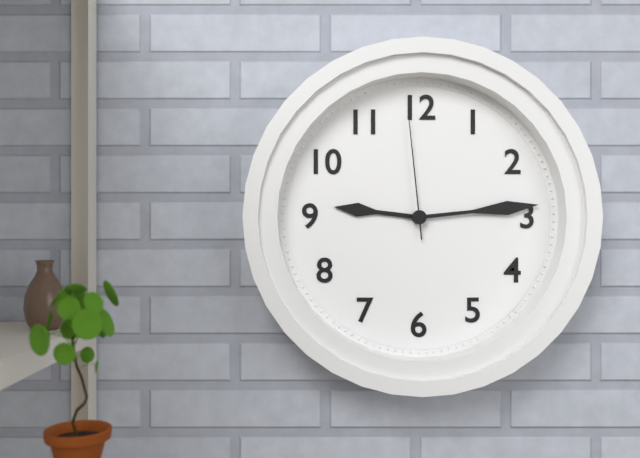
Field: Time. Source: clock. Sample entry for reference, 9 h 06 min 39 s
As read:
9 h 14 min 59 s
